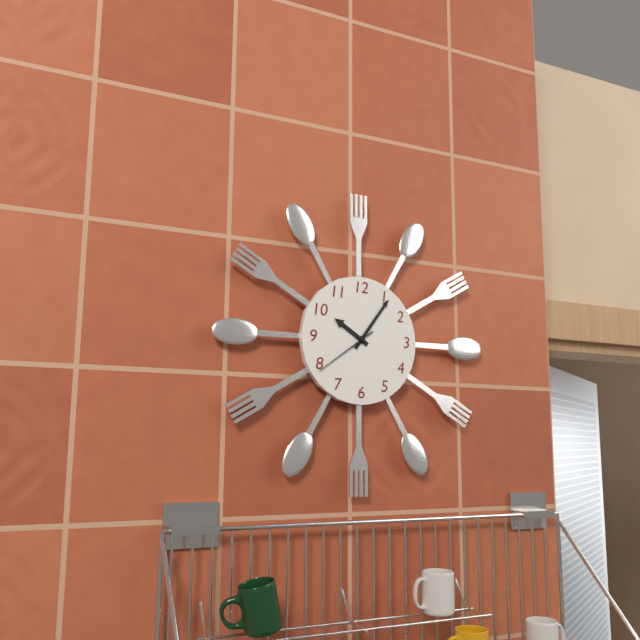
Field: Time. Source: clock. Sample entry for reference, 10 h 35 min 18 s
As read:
10 h 06 min 39 s
